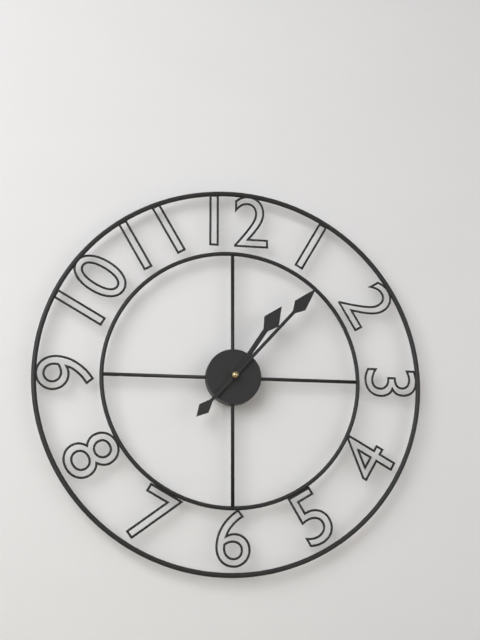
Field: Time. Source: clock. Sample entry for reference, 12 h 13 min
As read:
1 h 07 min
